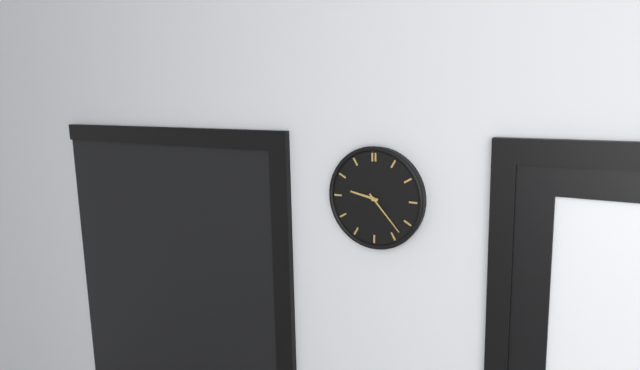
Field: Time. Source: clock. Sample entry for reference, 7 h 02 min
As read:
9 h 23 min
